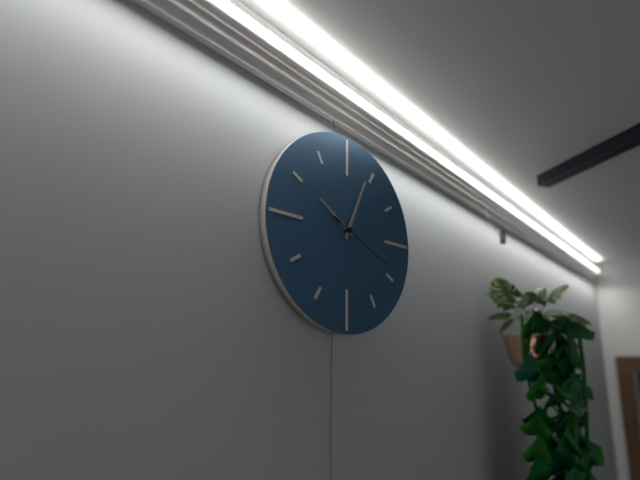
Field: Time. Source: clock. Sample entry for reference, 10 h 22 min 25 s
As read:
10 h 04 min 19 s
